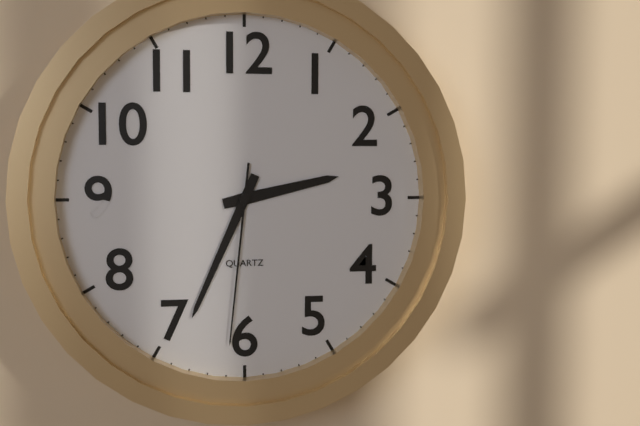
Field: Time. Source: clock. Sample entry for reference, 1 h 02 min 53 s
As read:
2 h 34 min 31 s
